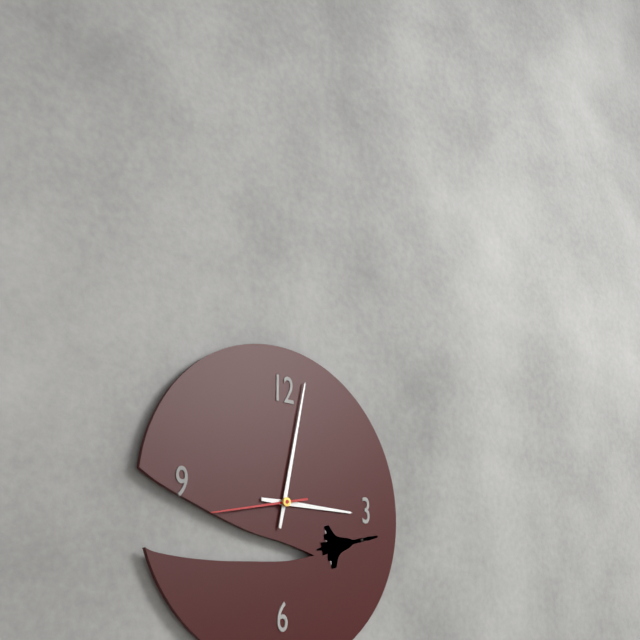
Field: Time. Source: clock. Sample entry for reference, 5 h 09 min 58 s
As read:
3 h 02 min 43 s
